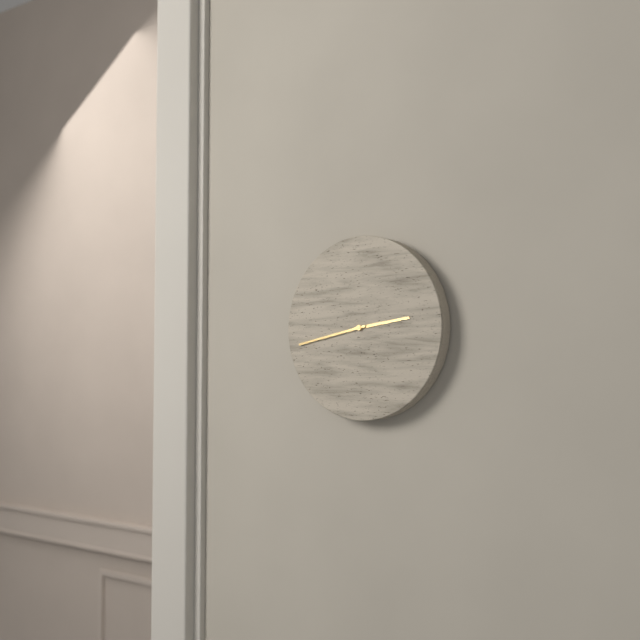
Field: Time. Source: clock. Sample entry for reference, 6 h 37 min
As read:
2 h 43 min
